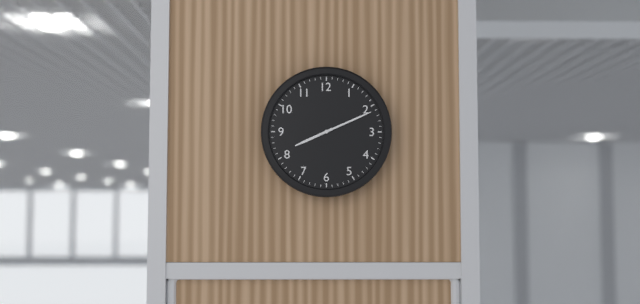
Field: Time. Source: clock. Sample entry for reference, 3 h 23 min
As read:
8 h 11 min
